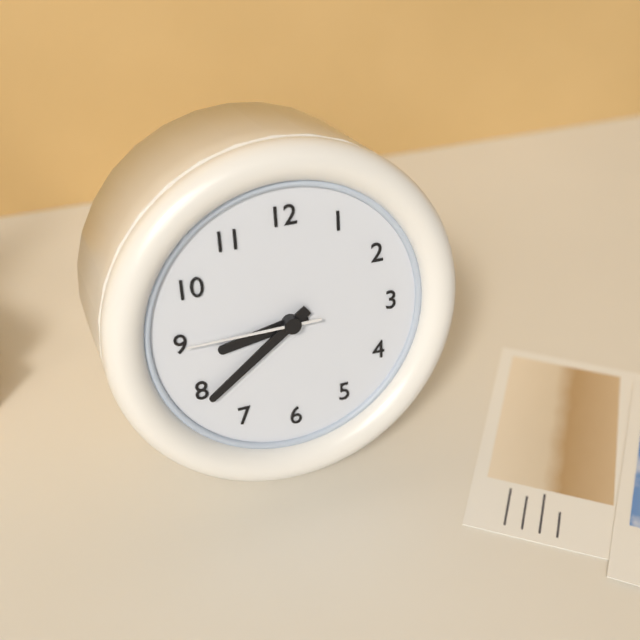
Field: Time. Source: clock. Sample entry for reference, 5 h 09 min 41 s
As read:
8 h 39 min 45 s
